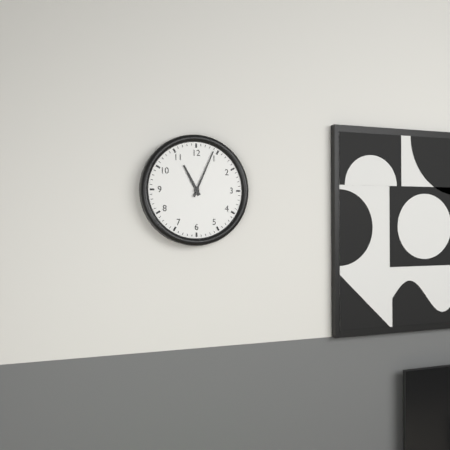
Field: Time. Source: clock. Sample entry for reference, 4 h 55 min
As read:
11 h 04 min
